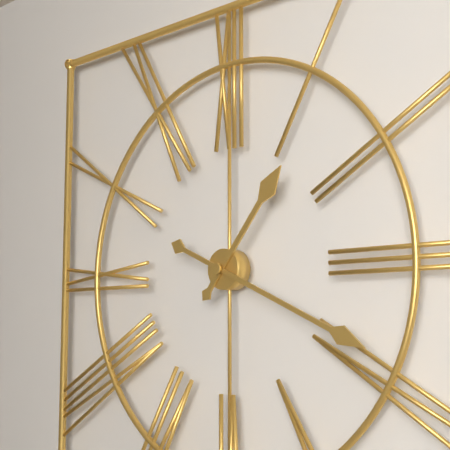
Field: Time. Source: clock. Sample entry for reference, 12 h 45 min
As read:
1 h 19 min
